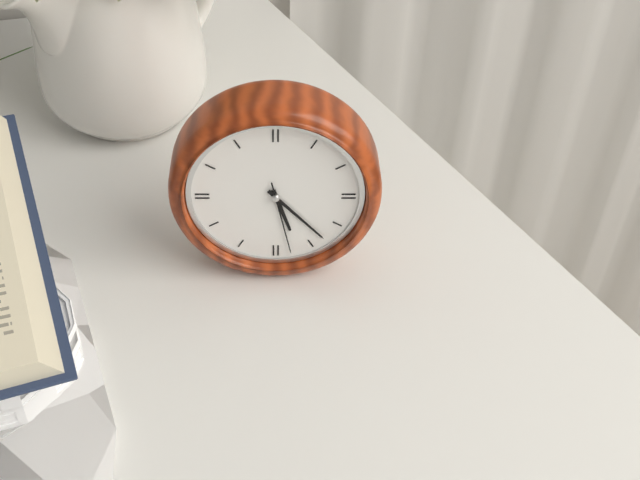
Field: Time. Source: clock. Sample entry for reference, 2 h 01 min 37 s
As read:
5 h 23 min 28 s
